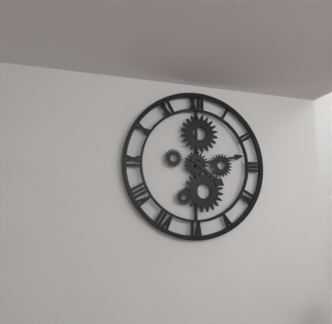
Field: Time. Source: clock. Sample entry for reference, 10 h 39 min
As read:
4 h 13 min
